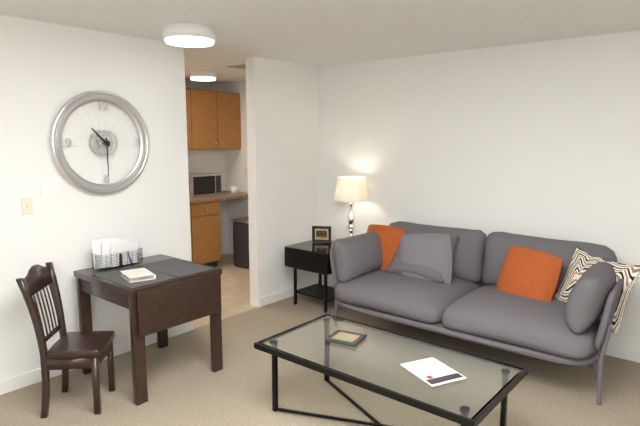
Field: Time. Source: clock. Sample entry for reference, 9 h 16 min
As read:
10 h 30 min
